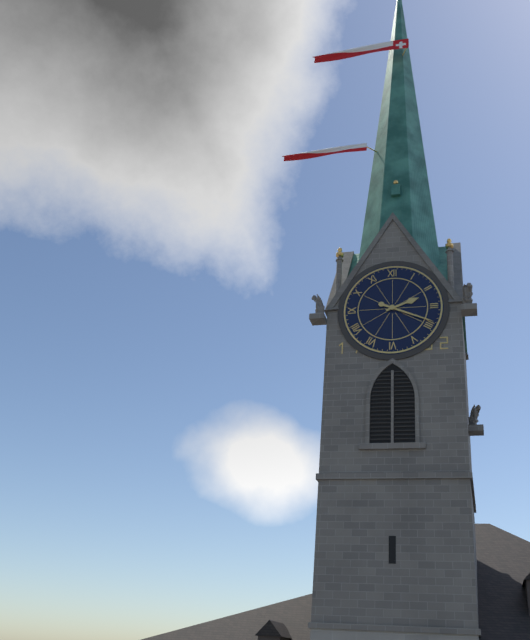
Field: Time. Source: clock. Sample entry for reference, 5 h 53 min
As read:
2 h 19 min
